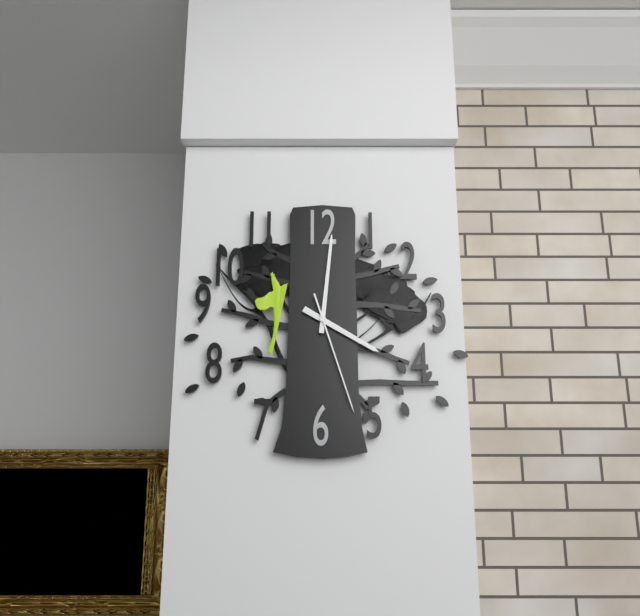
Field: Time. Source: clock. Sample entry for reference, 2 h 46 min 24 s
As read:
4 h 01 min 27 s
